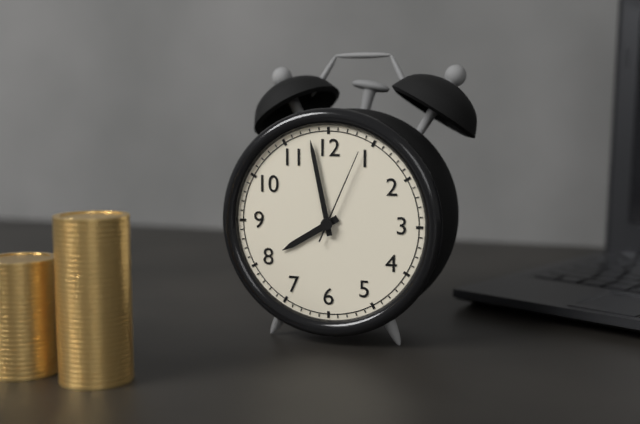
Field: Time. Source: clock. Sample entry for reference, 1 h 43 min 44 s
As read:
7 h 58 min 04 s
